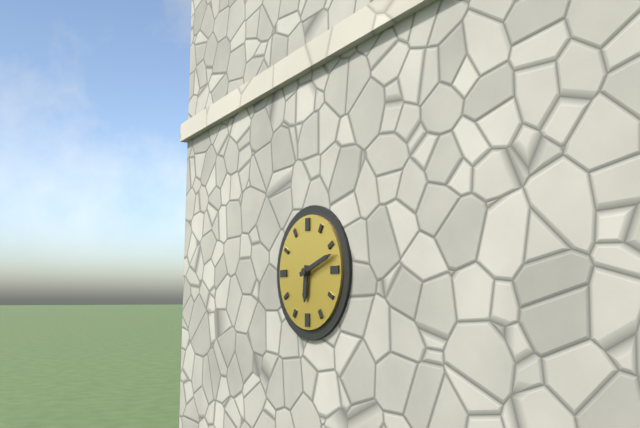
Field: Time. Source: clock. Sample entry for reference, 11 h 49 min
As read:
6 h 12 min
